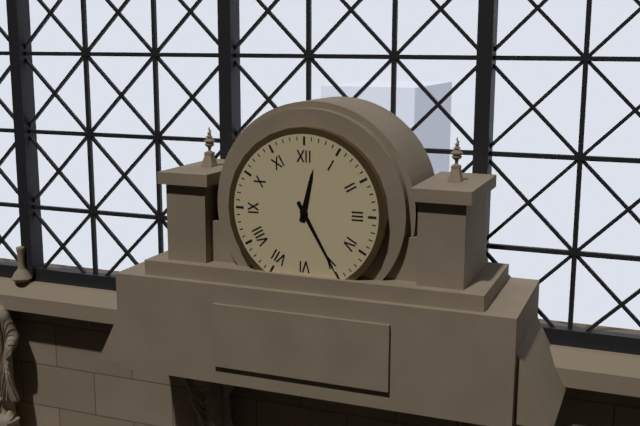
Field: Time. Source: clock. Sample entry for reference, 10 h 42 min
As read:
12 h 25 min
